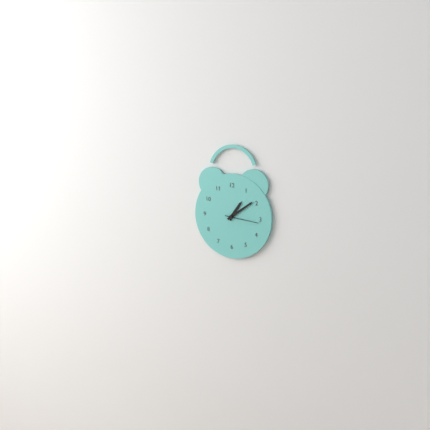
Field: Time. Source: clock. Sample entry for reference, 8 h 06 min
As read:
1 h 09 min
